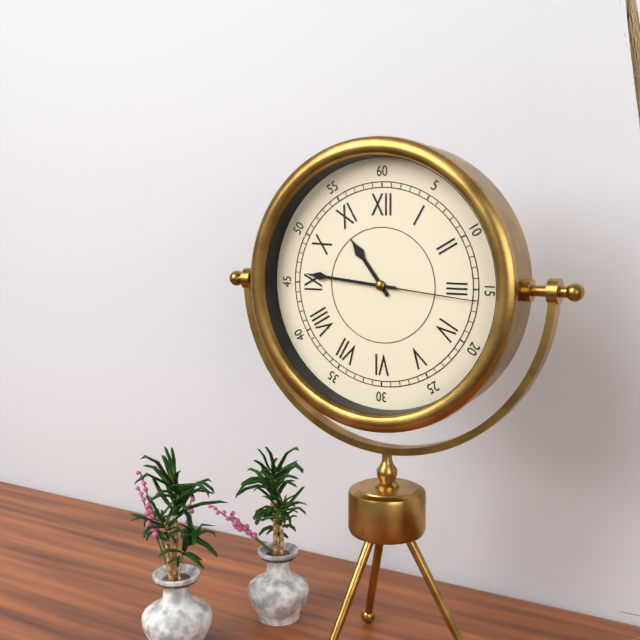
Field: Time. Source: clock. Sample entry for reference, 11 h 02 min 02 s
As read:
10 h 46 min 16 s
